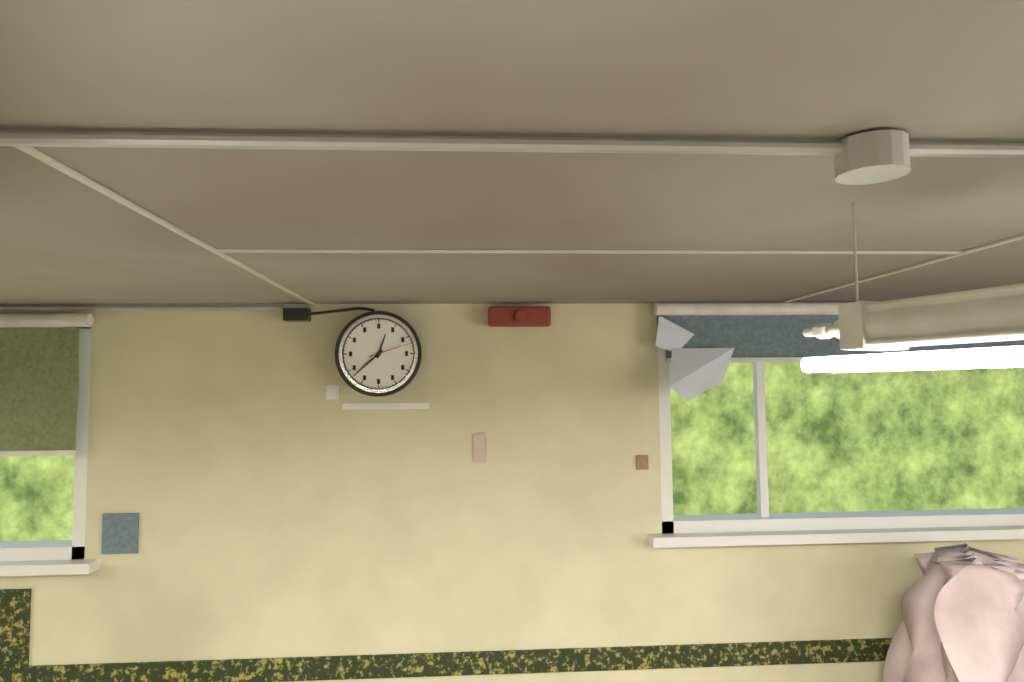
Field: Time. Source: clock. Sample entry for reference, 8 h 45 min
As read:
12 h 38 min
